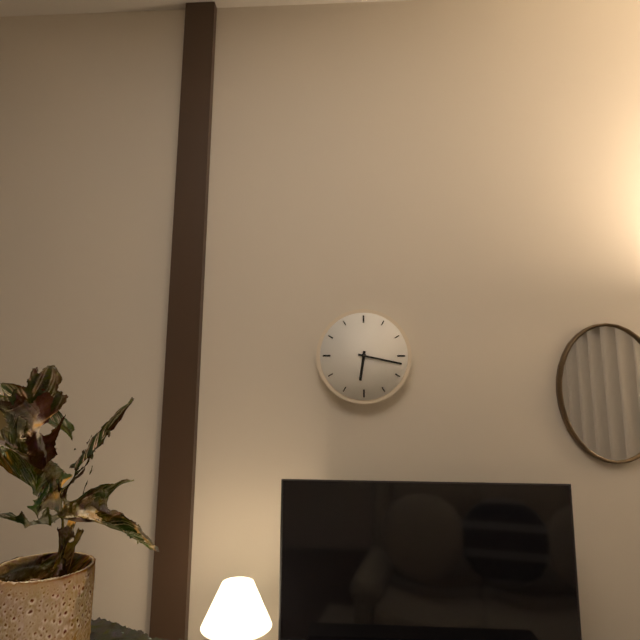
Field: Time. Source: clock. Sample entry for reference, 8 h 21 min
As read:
6 h 17 min
